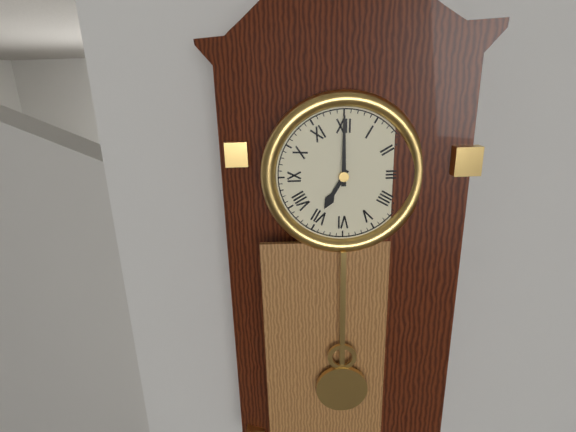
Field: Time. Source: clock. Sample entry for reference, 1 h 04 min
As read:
7 h 00 min
